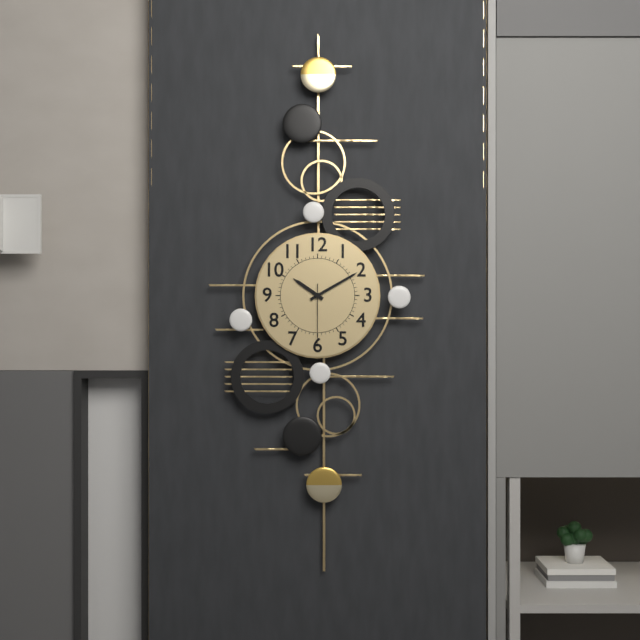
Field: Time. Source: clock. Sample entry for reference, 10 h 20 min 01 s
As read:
10 h 10 min 30 s
